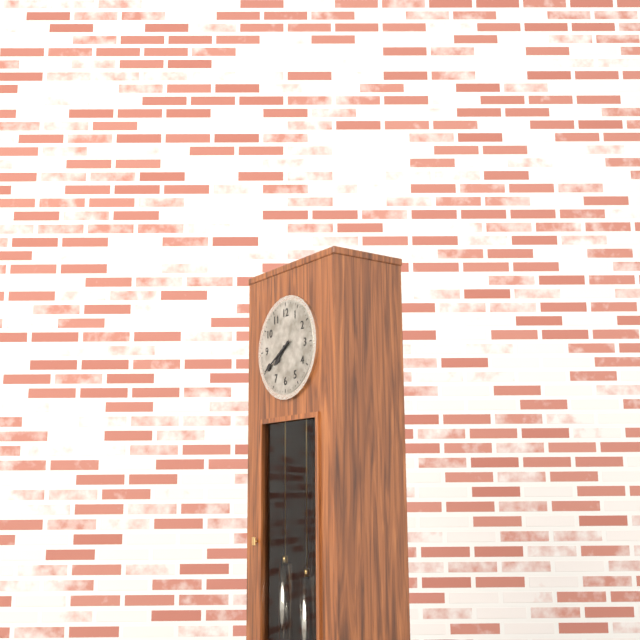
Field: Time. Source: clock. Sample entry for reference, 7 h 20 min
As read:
7 h 40 min
